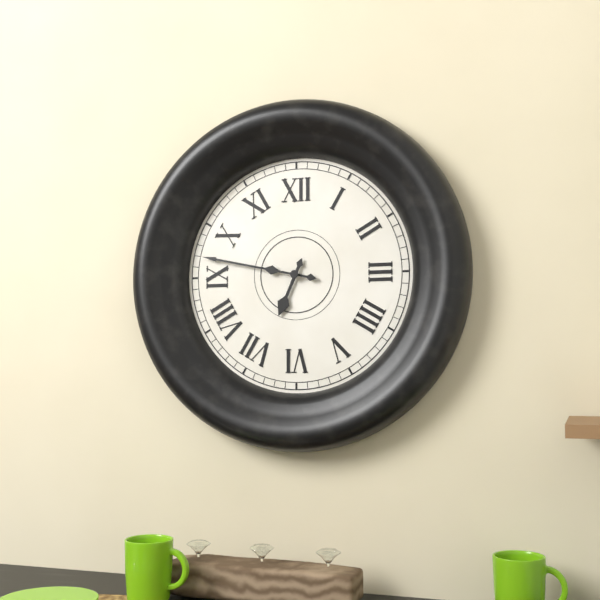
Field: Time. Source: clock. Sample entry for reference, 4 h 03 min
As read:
6 h 47 min
